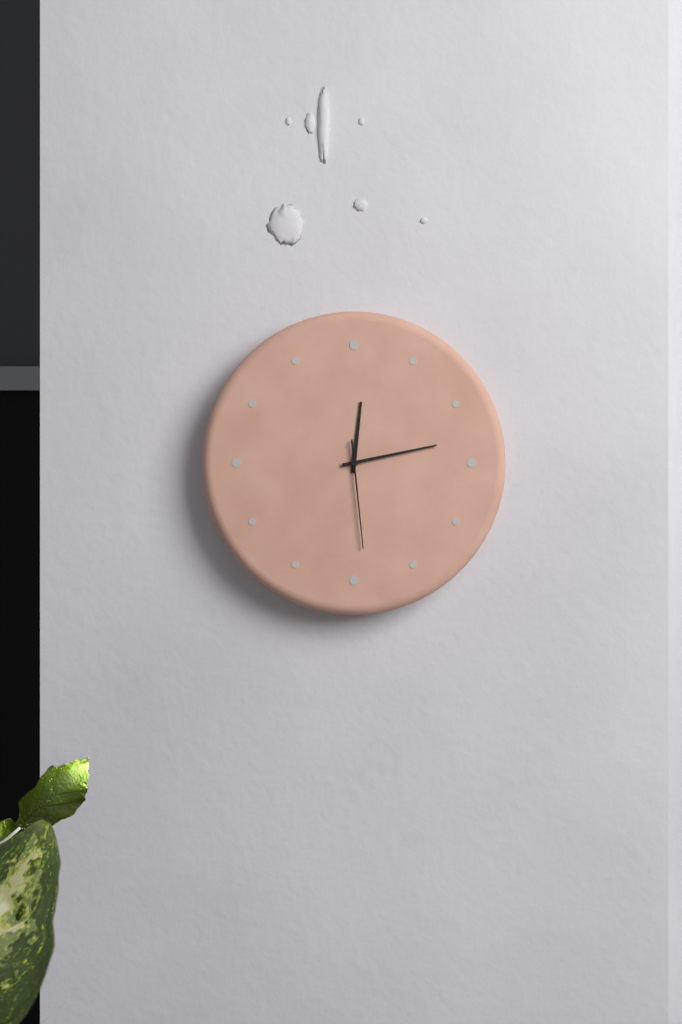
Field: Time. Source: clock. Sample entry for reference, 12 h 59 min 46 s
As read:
12 h 13 min 29 s
